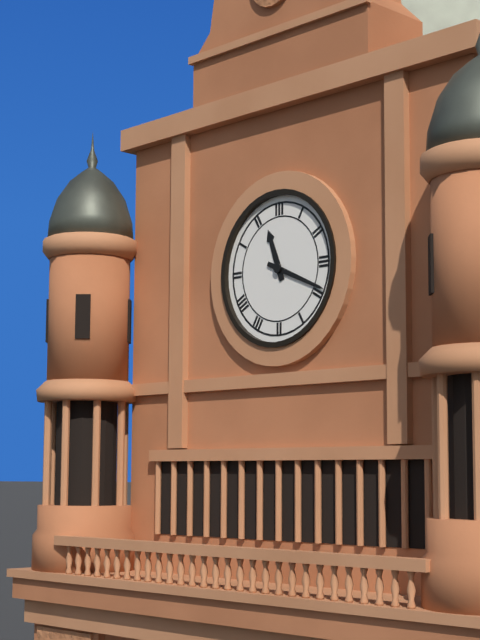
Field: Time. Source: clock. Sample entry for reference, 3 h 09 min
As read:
11 h 19 min
